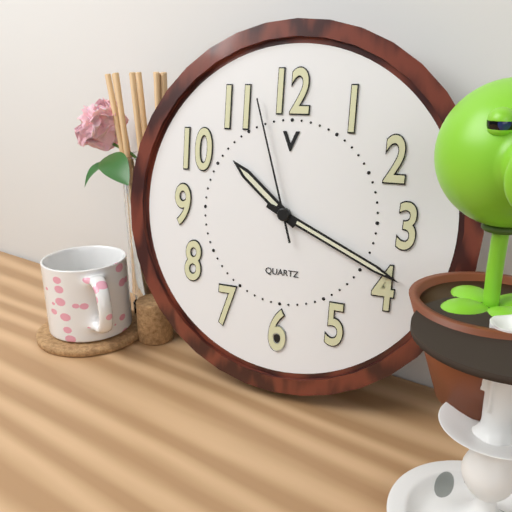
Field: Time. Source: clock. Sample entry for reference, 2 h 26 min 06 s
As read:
10 h 19 min 57 s
